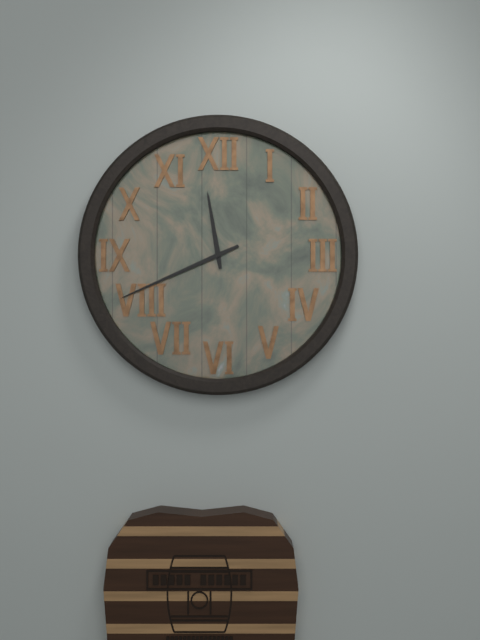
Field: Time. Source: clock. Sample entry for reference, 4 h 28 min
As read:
11 h 41 min
